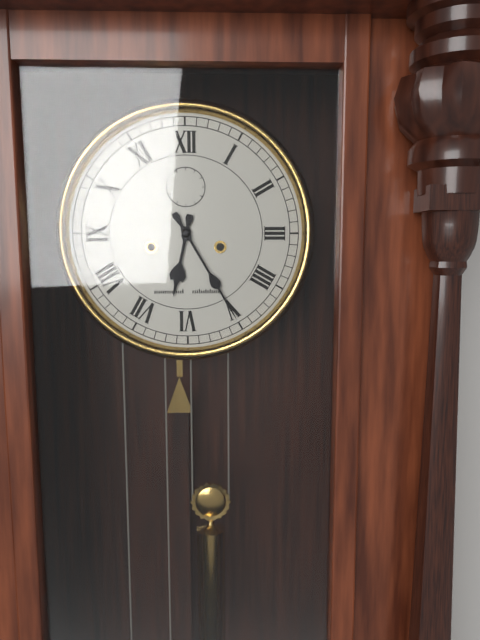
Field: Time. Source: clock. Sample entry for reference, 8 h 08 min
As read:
6 h 25 min
